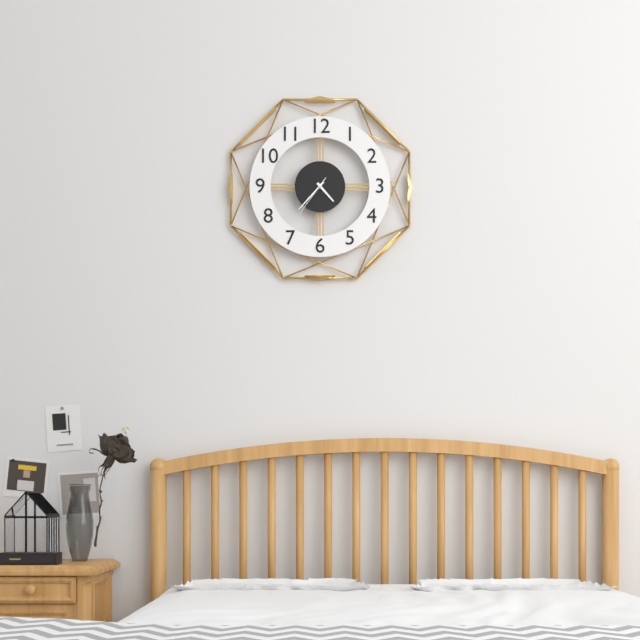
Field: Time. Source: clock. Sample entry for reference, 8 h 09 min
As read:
4 h 37 min
